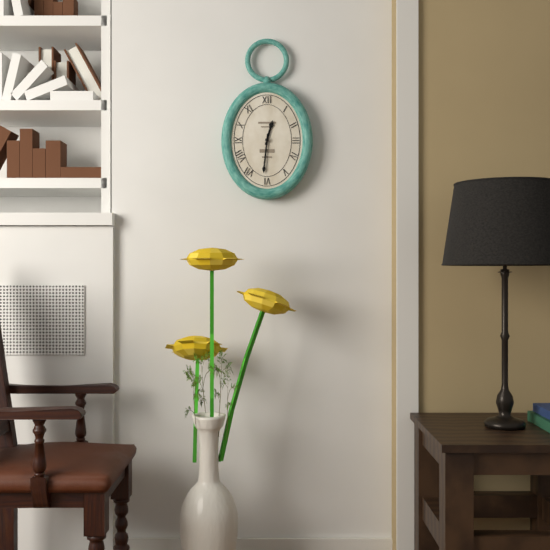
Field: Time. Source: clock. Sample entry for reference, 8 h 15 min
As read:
12 h 31 min
